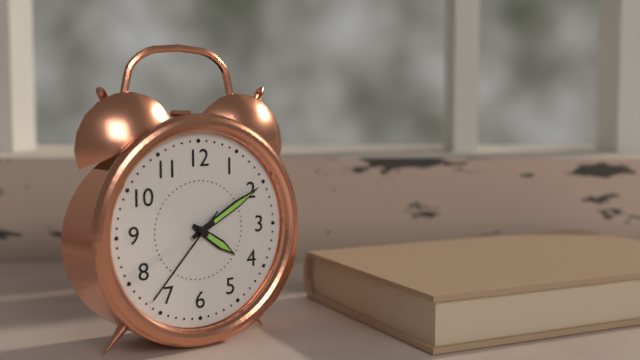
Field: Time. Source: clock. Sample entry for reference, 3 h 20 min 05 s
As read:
4 h 10 min 37 s
